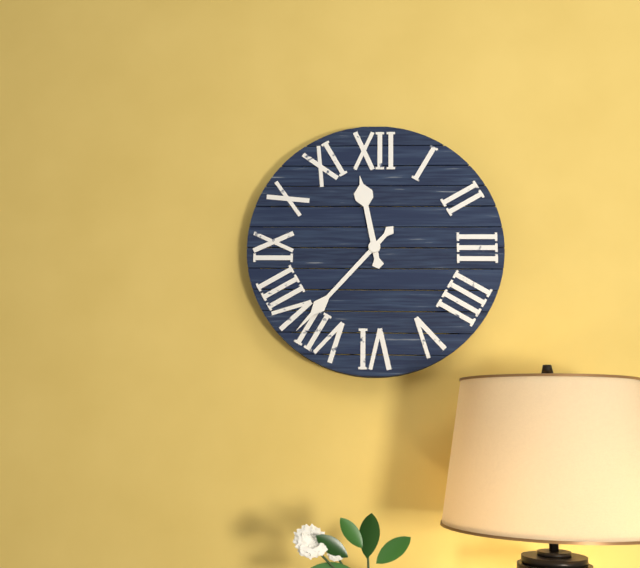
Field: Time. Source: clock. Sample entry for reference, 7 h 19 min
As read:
11 h 37 min
